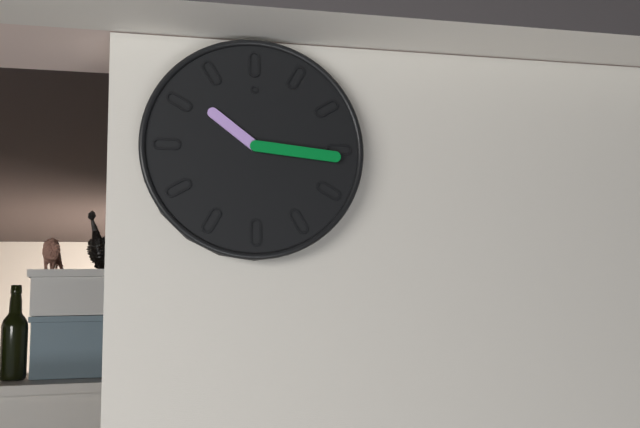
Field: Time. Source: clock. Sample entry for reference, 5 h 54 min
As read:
10 h 16 min
